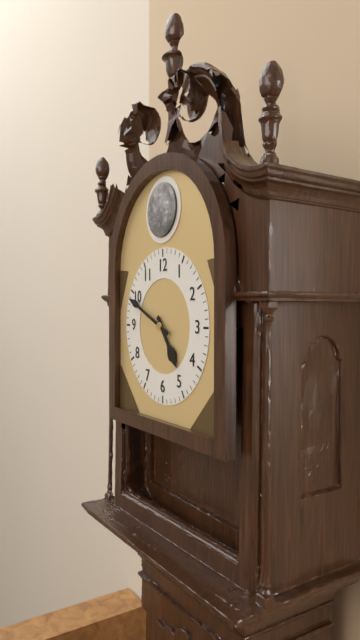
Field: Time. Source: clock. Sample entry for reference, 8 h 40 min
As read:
4 h 49 min
